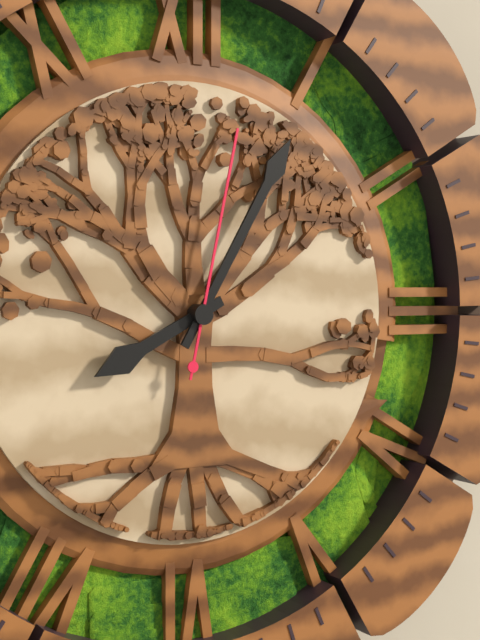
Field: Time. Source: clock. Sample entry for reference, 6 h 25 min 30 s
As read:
8 h 05 min 02 s
